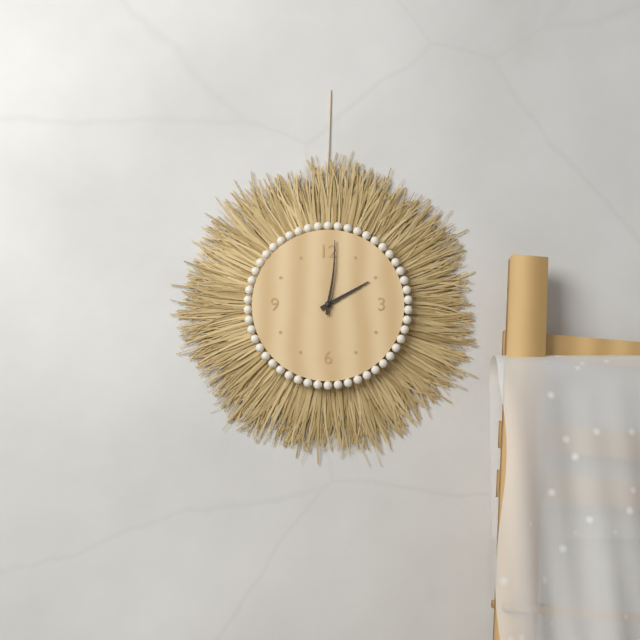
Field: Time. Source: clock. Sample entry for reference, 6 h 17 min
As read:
2 h 01 min
